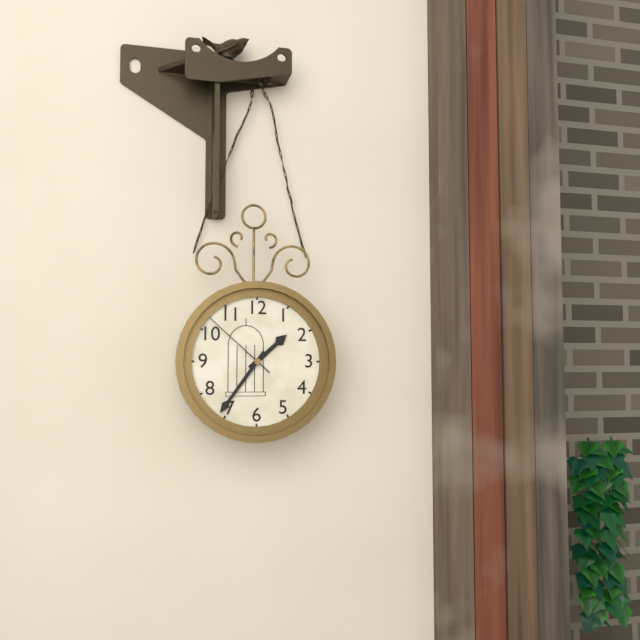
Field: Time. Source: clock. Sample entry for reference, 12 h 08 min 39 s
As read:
1 h 36 min 52 s
